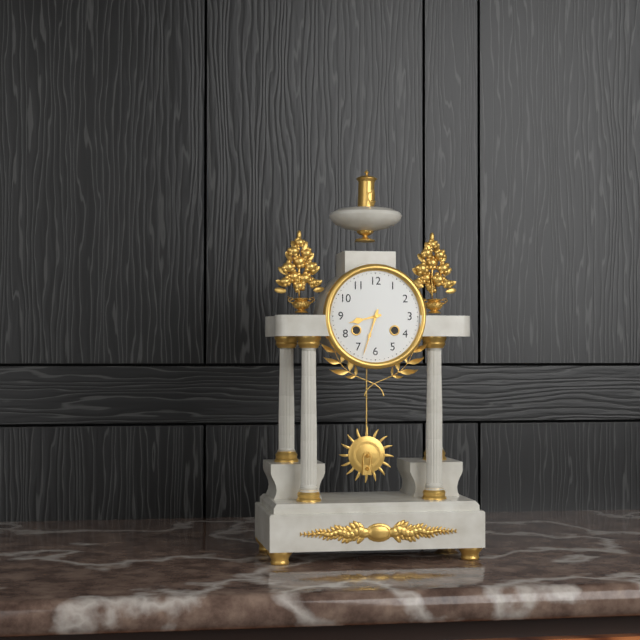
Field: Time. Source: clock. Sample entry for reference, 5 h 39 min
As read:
8 h 33 min
